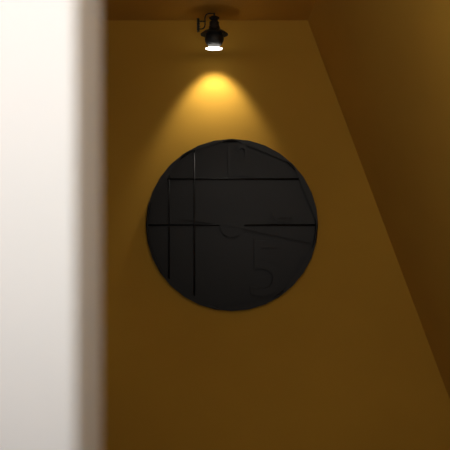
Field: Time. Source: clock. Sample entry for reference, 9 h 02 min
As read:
9 h 17 min
